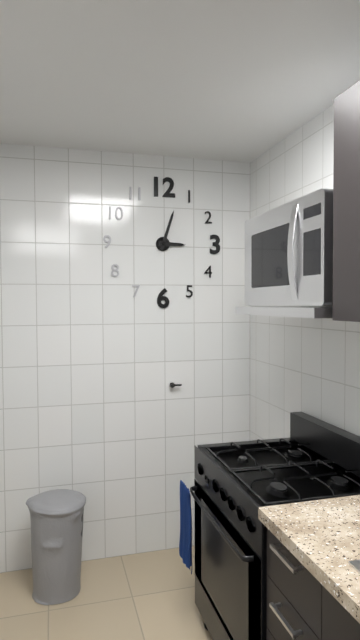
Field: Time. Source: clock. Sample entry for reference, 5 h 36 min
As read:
3 h 03 min
